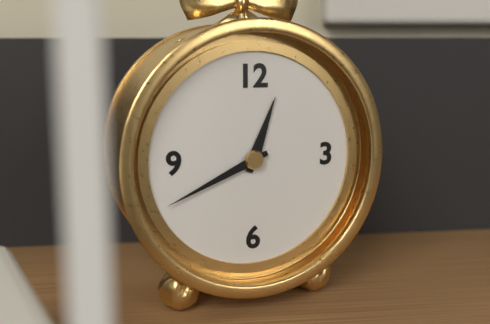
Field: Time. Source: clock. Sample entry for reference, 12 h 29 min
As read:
12 h 41 min
